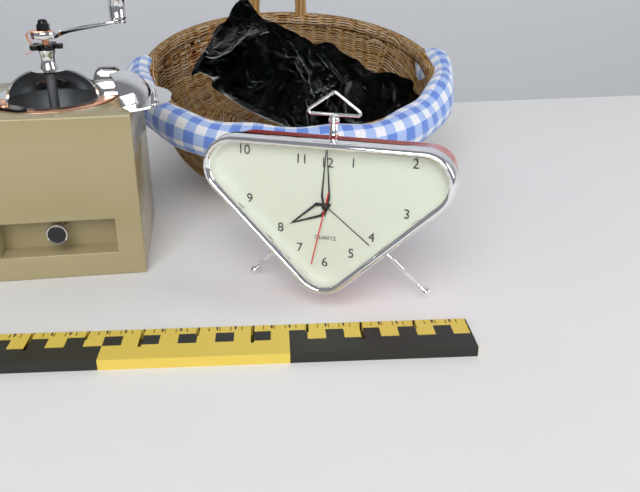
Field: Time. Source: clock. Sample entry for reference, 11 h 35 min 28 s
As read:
8 h 00 min 32 s
